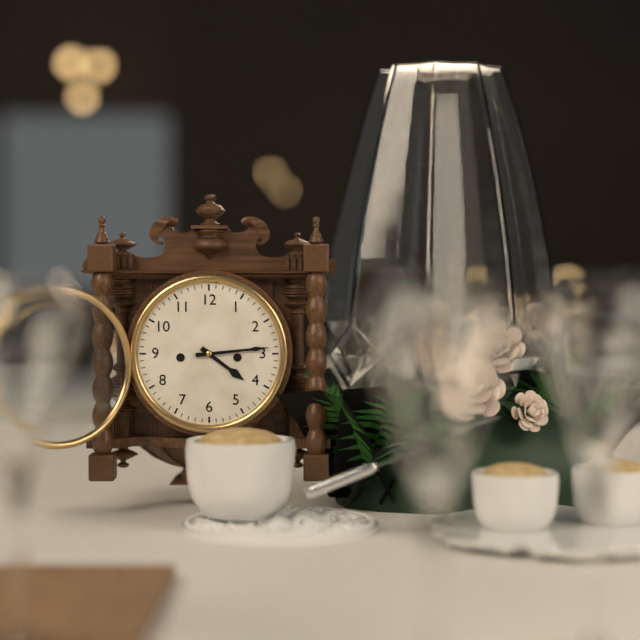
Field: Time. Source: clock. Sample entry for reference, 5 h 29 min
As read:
4 h 14 min
